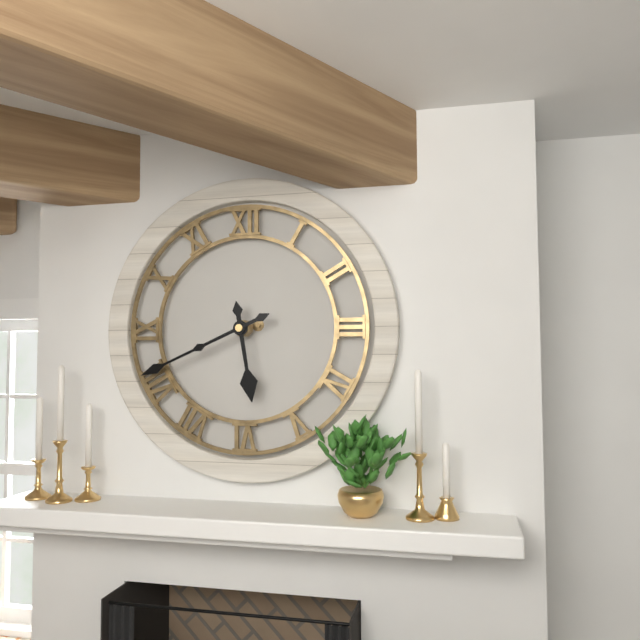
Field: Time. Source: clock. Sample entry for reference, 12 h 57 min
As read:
5 h 41 min
